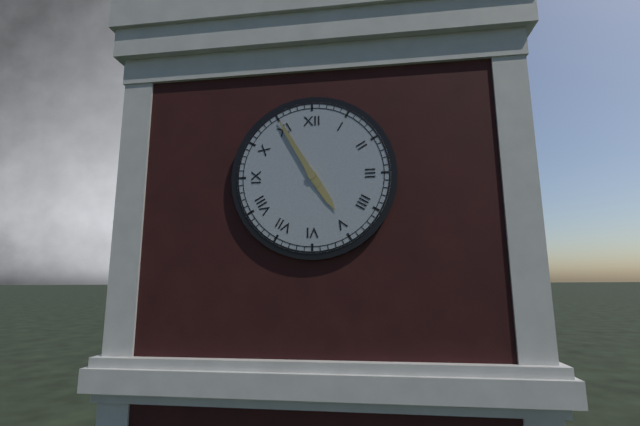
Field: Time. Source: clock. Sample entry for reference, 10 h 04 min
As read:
4 h 55 min
